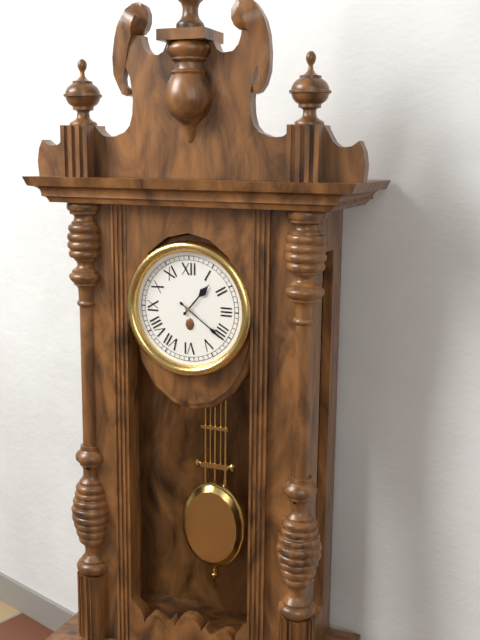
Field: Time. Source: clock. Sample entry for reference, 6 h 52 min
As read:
1 h 21 min
